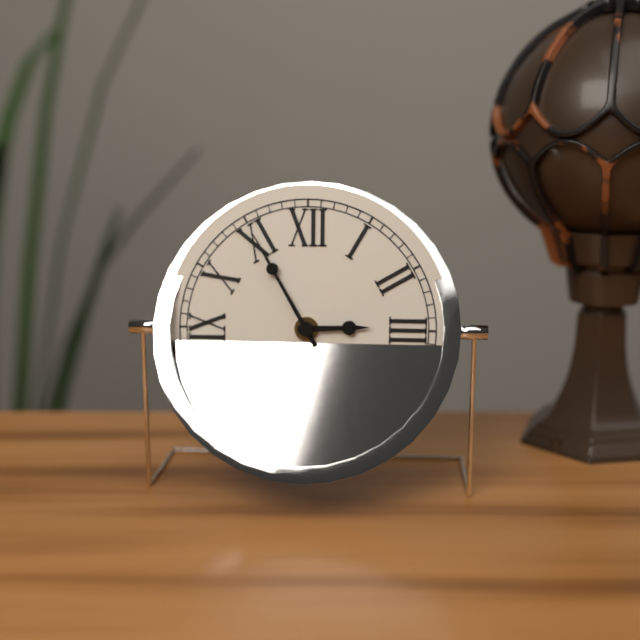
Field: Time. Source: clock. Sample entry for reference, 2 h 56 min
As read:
2 h 55 min
